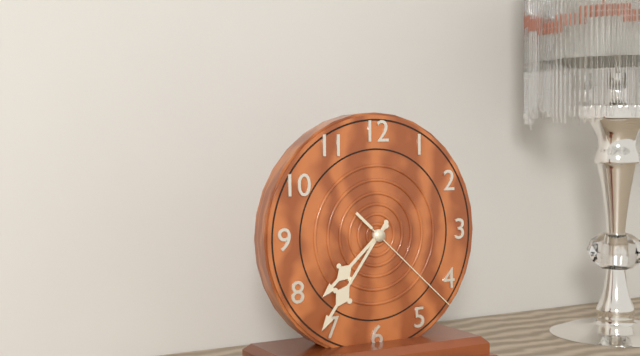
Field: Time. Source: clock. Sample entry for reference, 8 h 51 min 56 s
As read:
7 h 36 min 22 s
